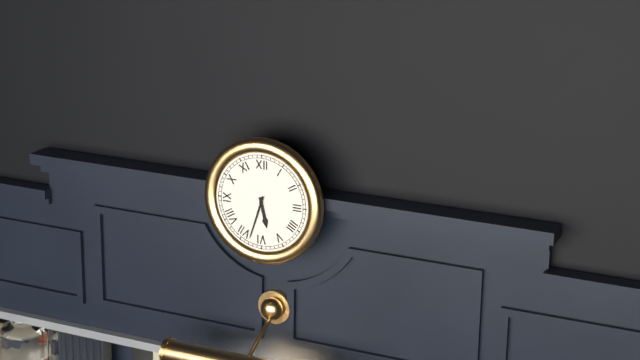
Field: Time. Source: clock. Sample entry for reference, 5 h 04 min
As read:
5 h 33 min
